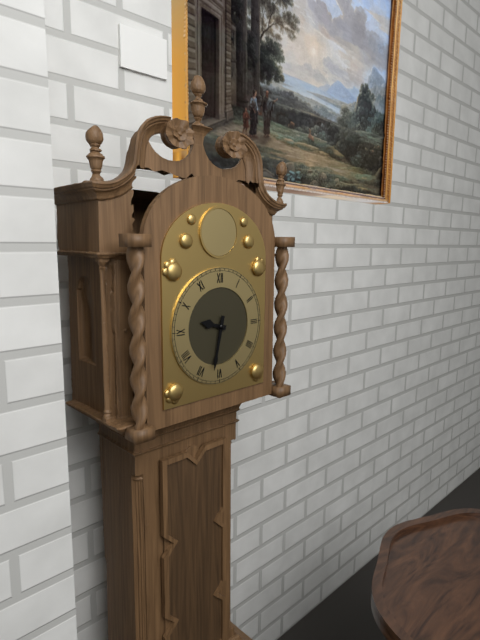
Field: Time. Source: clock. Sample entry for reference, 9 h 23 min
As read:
9 h 32 min
